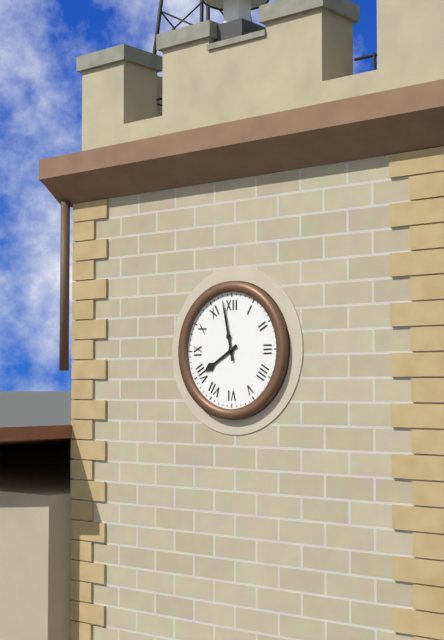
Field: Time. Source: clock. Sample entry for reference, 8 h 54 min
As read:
7 h 58 min
